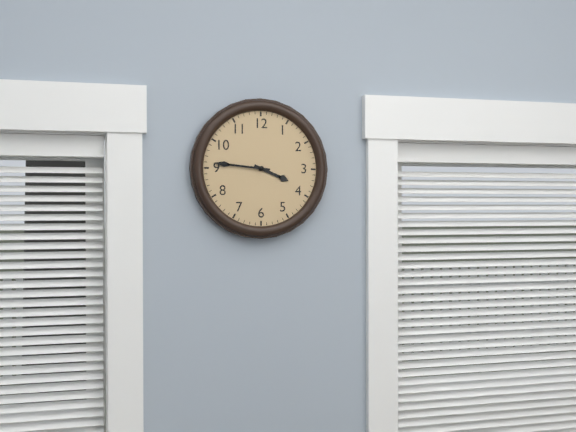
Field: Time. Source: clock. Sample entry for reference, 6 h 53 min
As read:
3 h 46 min
